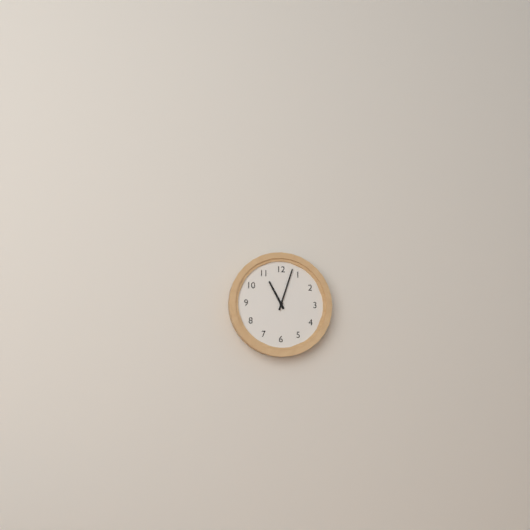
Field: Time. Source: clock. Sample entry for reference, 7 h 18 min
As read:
11 h 03 min
